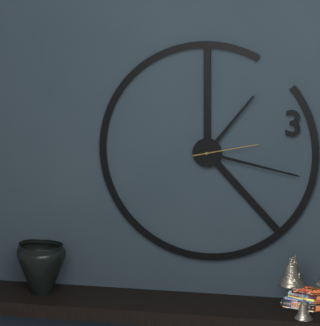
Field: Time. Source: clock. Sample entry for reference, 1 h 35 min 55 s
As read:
1 h 17 min 13 s
